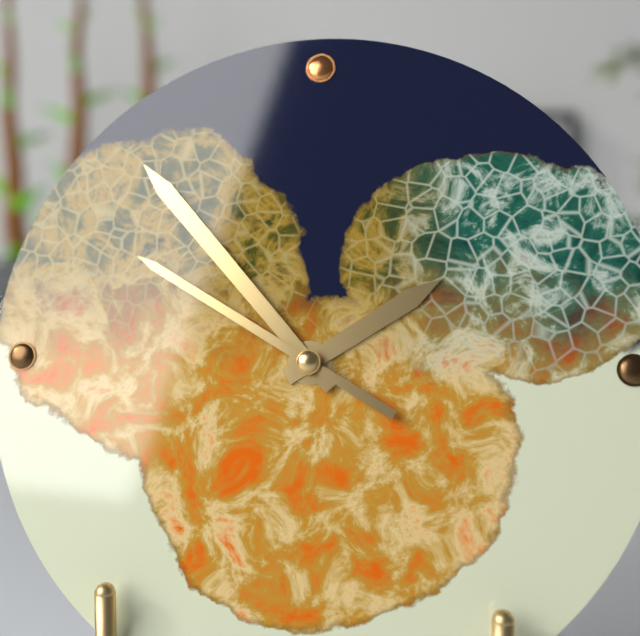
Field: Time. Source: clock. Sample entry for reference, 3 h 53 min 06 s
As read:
1 h 53 min 50 s
